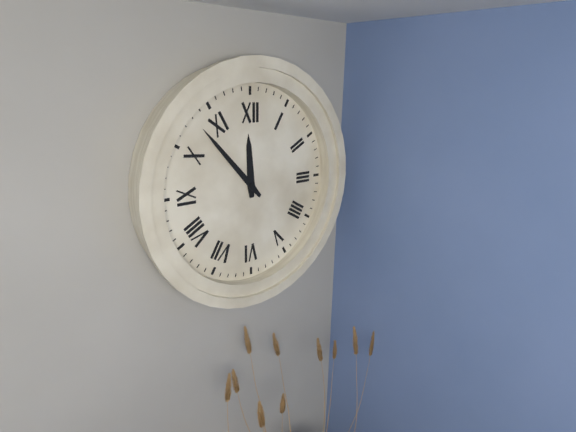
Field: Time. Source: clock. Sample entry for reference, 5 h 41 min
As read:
11 h 53 min
